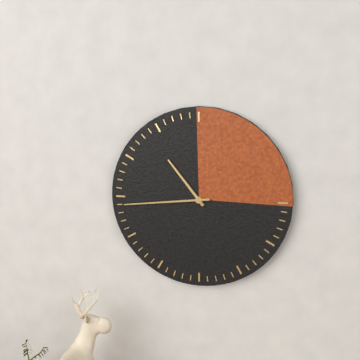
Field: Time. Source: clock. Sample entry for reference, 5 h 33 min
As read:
10 h 44 min
